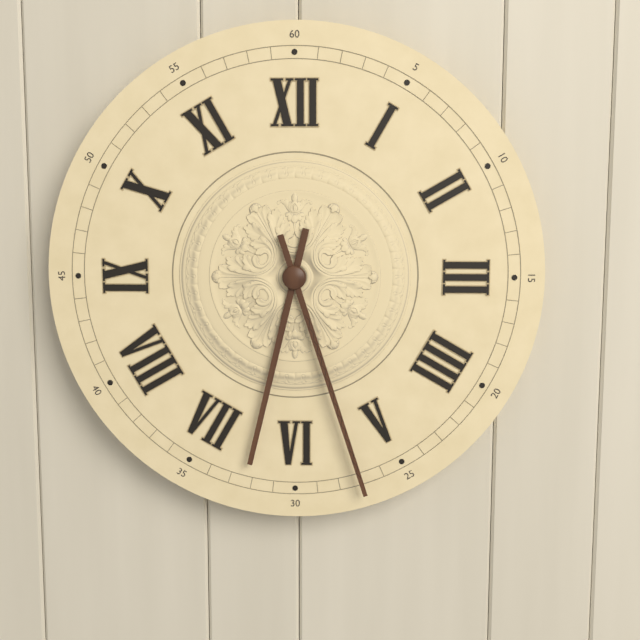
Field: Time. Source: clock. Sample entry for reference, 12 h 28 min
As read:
6 h 27 min
